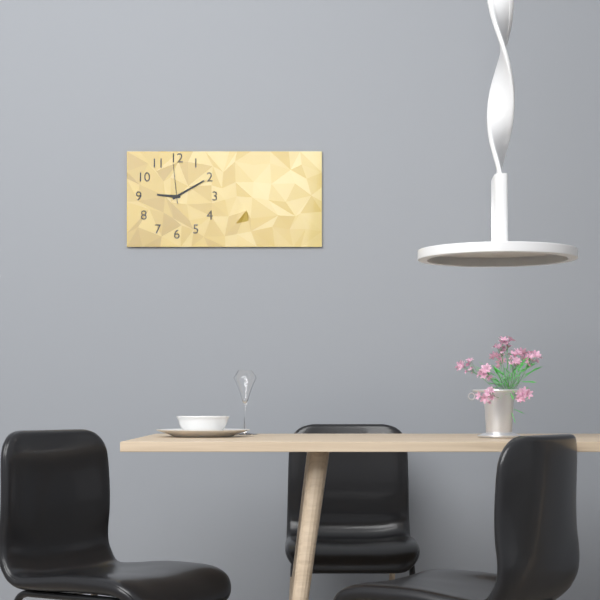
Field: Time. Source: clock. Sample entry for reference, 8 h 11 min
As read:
9 h 10 min
